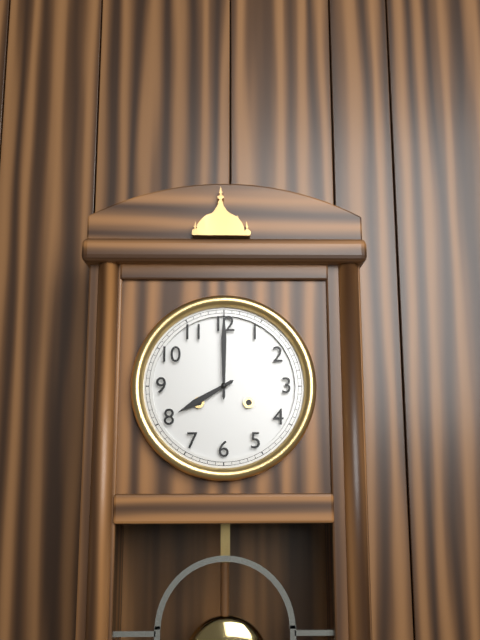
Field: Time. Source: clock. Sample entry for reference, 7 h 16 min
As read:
8 h 00 min
